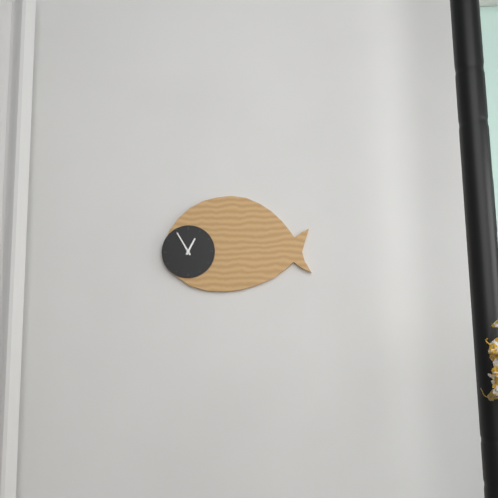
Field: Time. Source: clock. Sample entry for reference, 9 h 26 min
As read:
12 h 55 min
